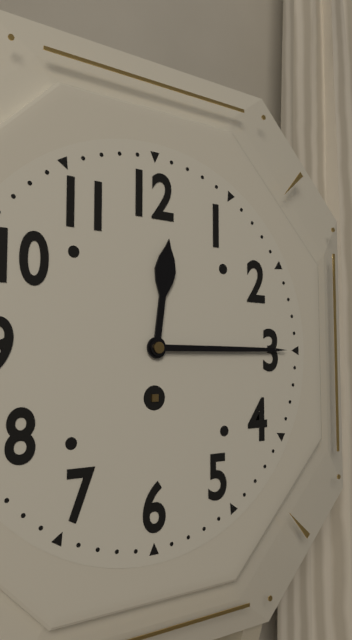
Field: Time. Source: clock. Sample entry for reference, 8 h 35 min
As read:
12 h 15 min
